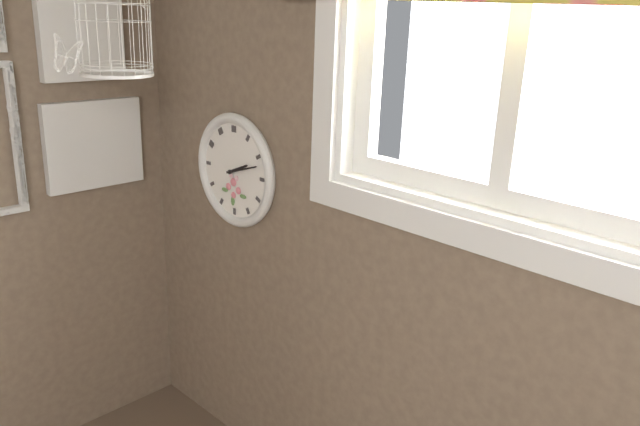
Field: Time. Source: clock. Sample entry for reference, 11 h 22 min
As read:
2 h 12 min
